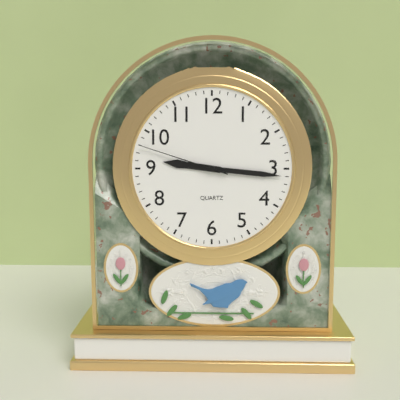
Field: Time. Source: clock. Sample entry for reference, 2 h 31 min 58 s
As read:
9 h 16 min 48 s
